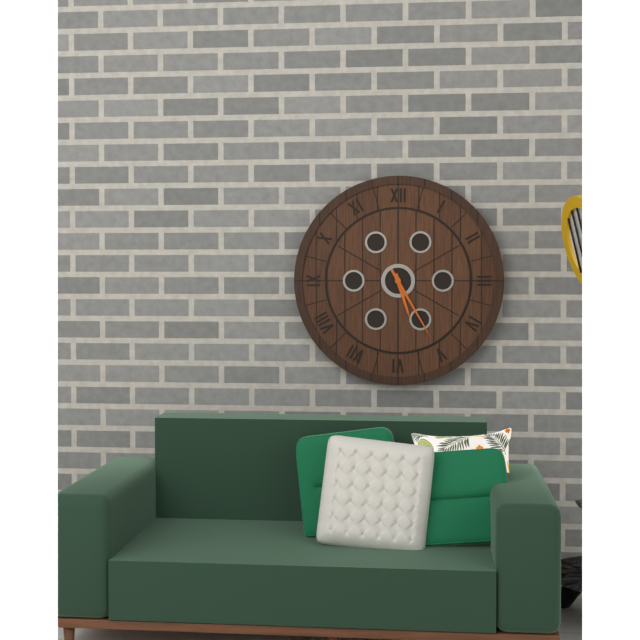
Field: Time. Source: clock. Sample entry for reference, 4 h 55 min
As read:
5 h 25 min
